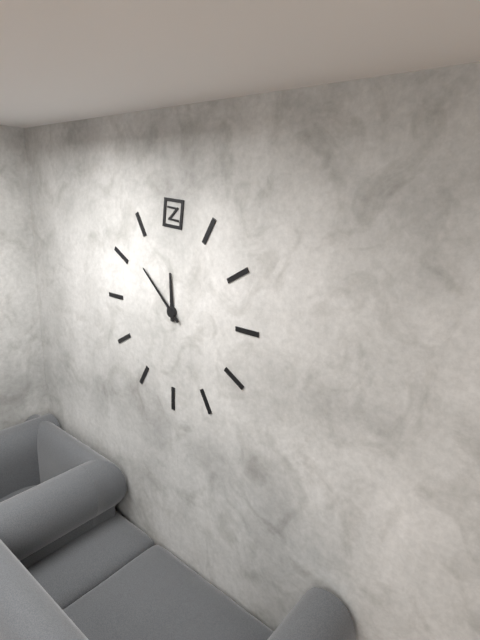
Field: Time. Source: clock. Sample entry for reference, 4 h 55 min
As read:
11 h 52 min
